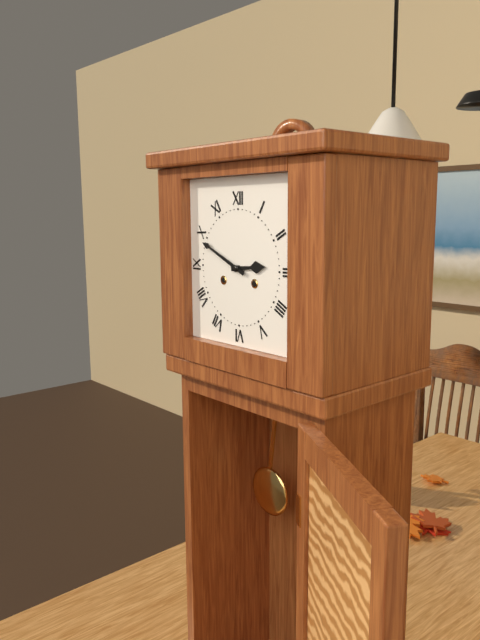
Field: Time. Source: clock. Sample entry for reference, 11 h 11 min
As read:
2 h 49 min
